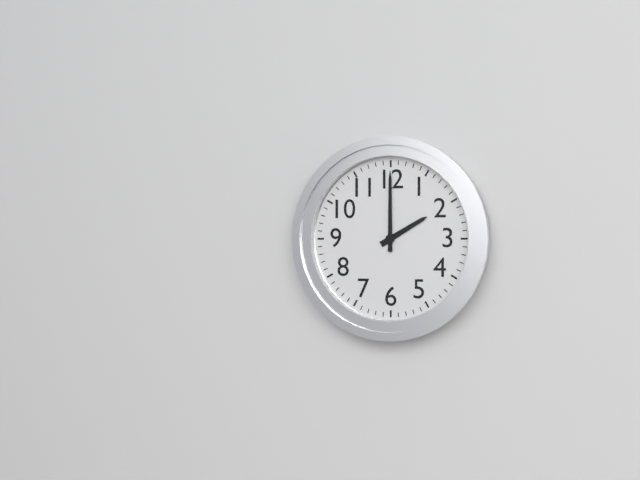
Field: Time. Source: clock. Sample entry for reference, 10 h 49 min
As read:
2 h 00 min
